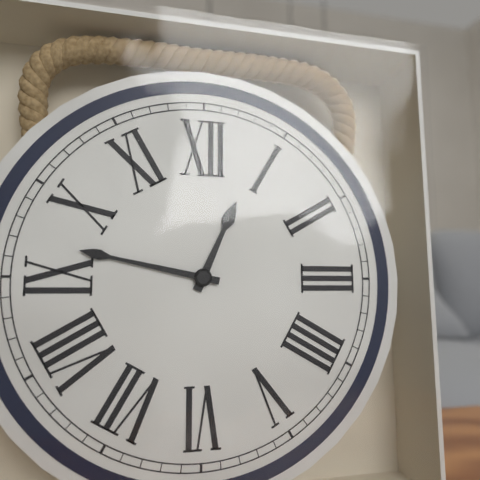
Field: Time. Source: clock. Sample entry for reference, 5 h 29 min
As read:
12 h 47 min
